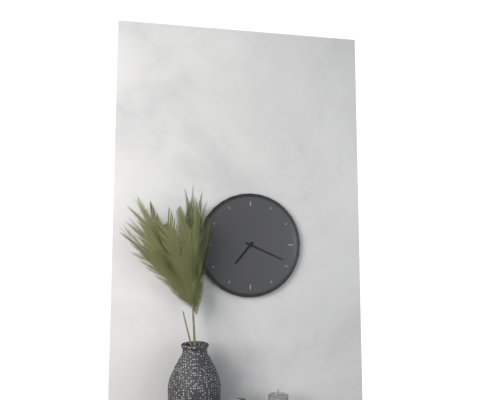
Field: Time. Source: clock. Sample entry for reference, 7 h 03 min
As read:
7 h 19 min
